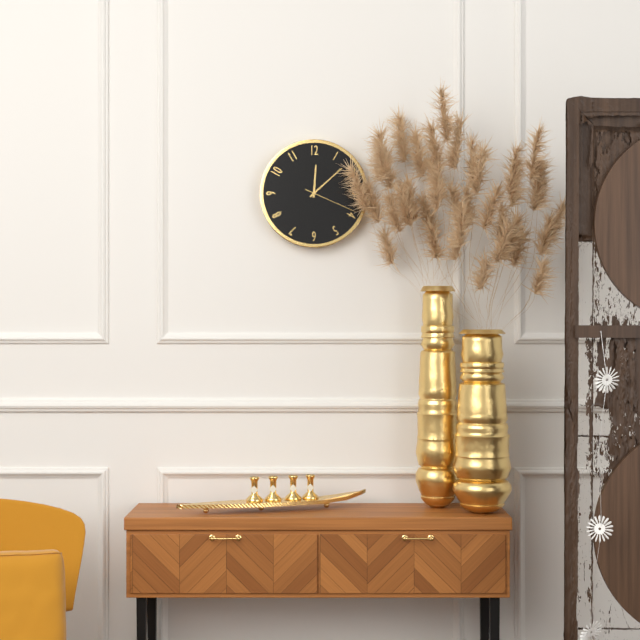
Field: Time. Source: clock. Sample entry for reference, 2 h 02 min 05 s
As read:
12 h 08 min 19 s
